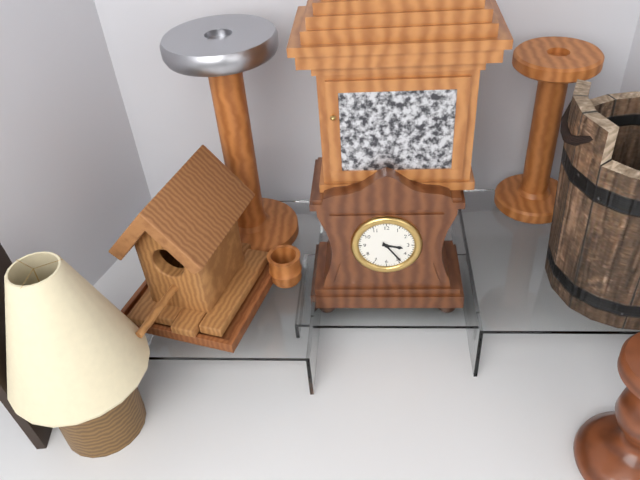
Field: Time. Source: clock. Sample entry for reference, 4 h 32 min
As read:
3 h 24 min
